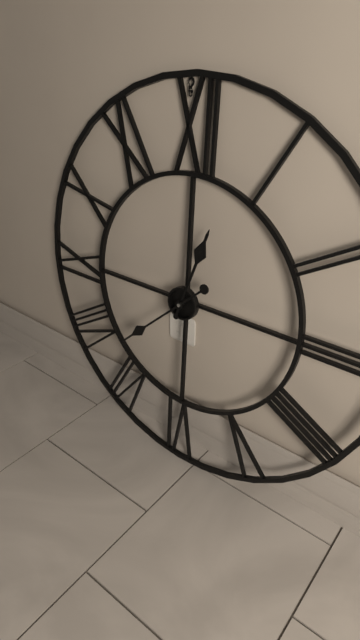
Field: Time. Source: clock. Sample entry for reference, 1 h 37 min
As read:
12 h 38 min
